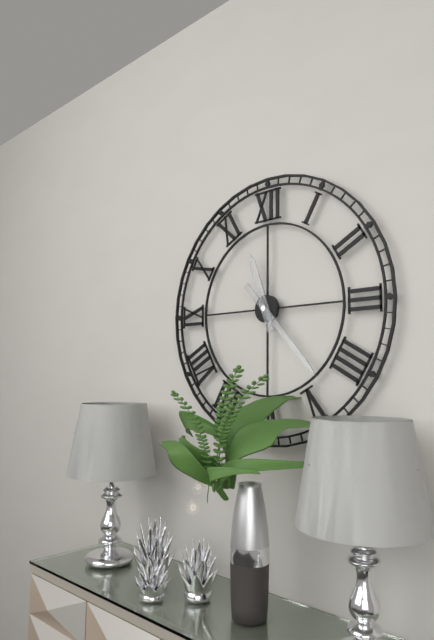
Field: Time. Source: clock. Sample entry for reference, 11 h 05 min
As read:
11 h 23 min
